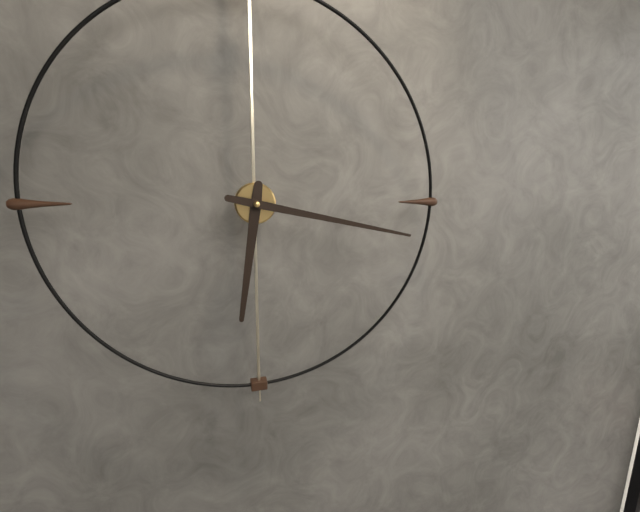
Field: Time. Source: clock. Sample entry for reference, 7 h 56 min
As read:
6 h 17 min
